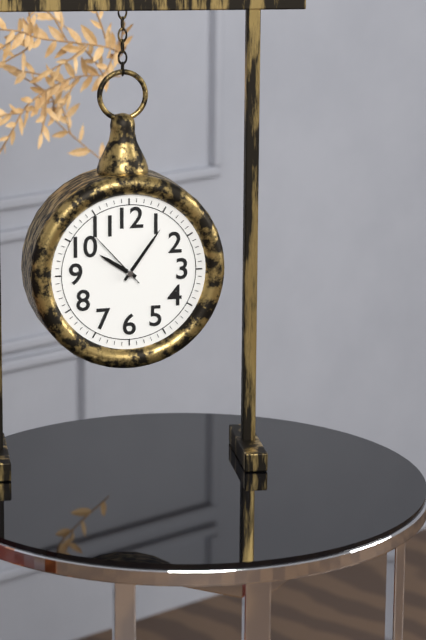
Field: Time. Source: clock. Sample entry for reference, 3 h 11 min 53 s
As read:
10 h 06 min 53 s
